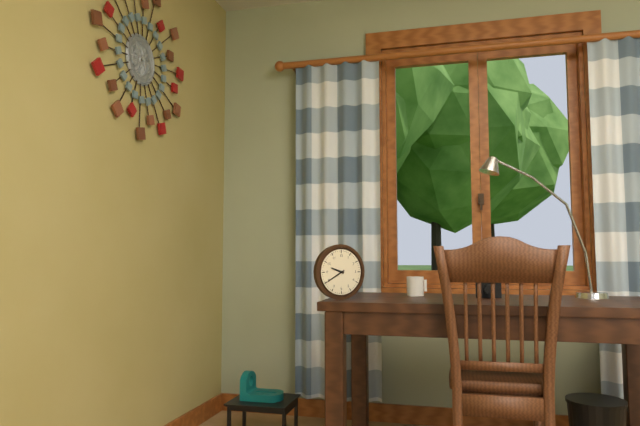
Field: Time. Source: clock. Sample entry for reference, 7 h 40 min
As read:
9 h 40 min
